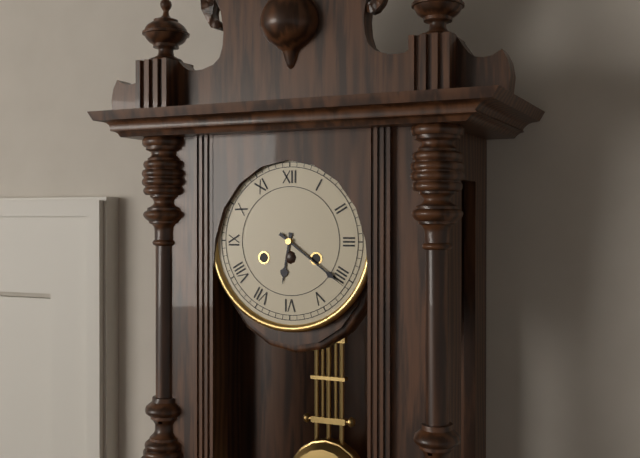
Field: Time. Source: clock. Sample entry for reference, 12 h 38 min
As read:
6 h 21 min
